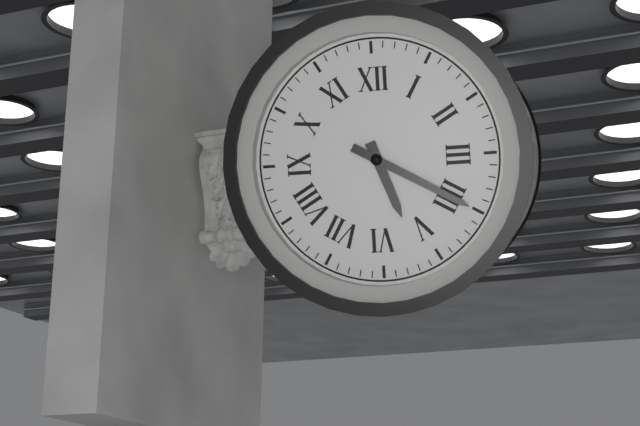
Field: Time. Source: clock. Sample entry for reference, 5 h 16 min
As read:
5 h 20 min
